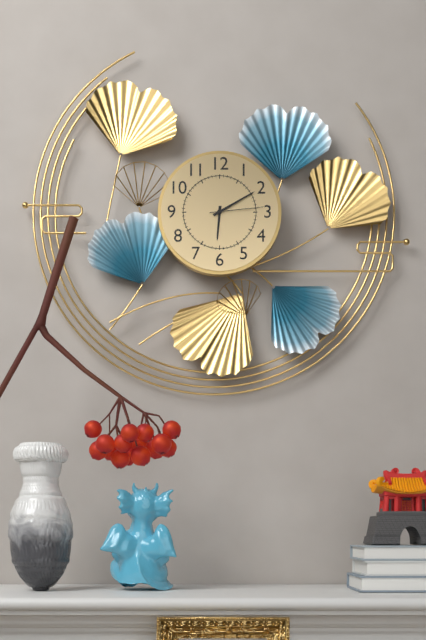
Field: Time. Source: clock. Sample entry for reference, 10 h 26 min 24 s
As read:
6 h 10 min 14 s
